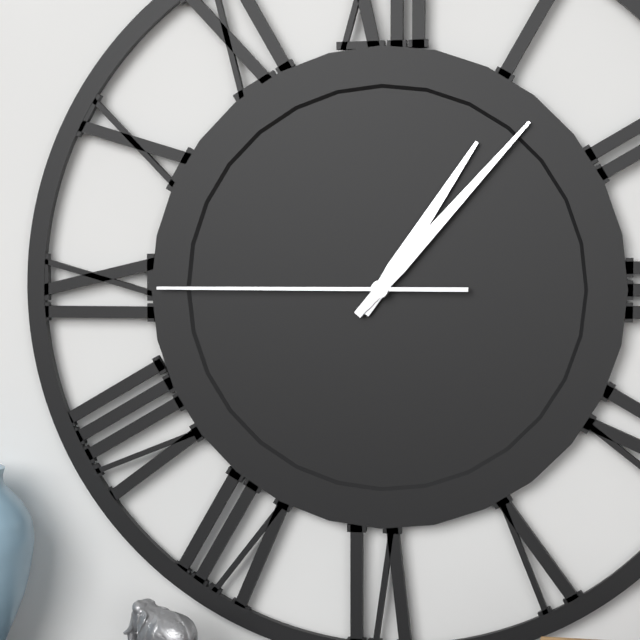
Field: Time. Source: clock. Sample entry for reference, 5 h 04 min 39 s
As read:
1 h 07 min 45 s
